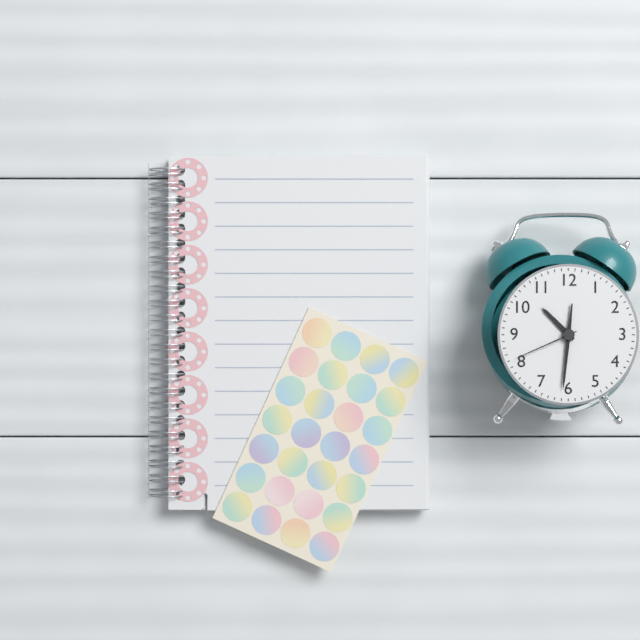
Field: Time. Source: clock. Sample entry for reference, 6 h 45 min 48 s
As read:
10 h 31 min 41 s
